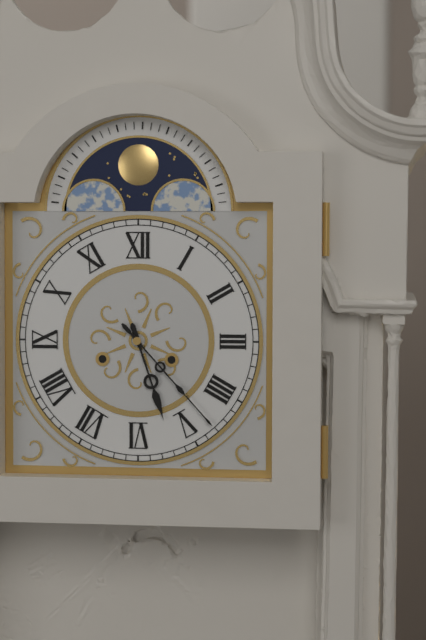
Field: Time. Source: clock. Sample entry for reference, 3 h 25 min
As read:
5 h 23 min
